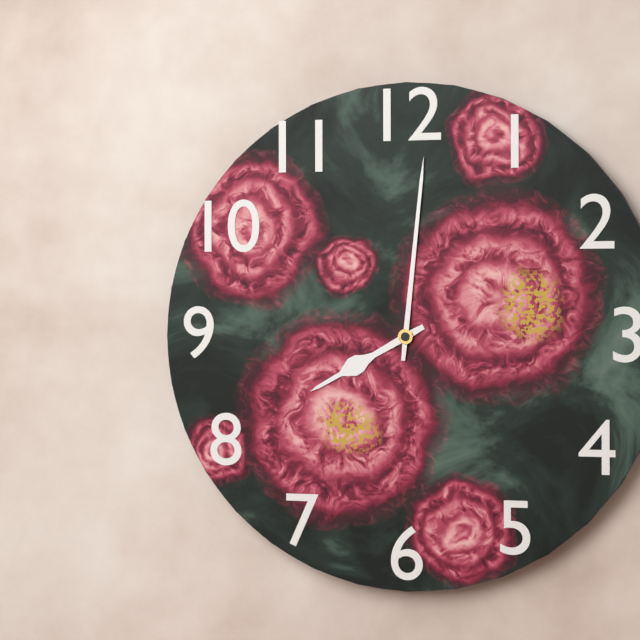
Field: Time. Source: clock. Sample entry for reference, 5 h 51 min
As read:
8 h 01 min
